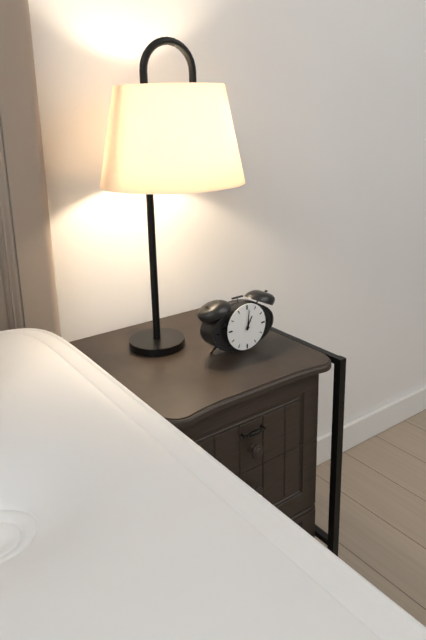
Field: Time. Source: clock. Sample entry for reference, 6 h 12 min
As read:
1 h 01 min
